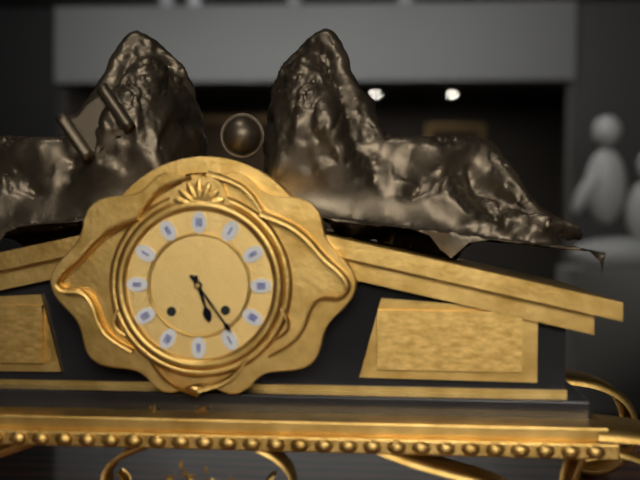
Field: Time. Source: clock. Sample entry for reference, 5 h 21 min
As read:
5 h 24 min
